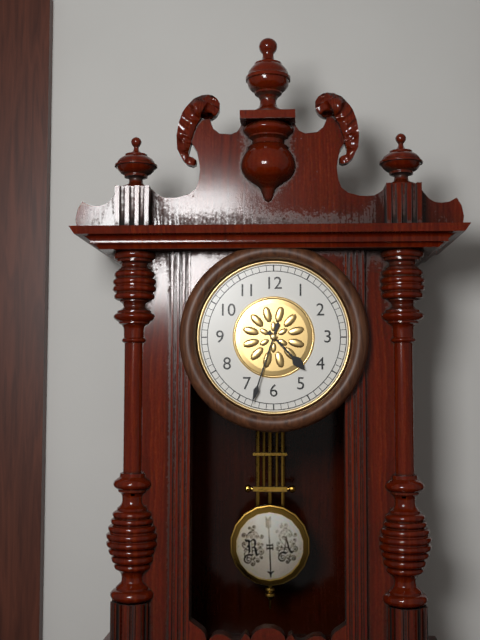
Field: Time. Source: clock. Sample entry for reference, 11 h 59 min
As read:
4 h 33 min
